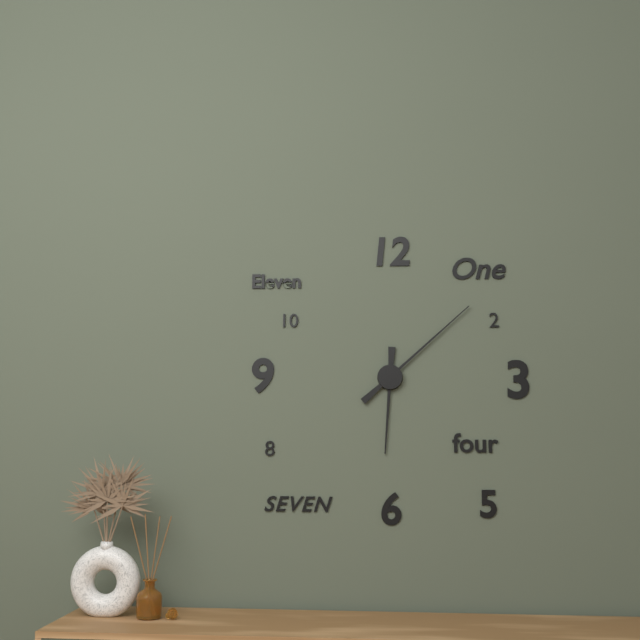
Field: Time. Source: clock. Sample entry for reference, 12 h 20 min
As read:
6 h 08 min
